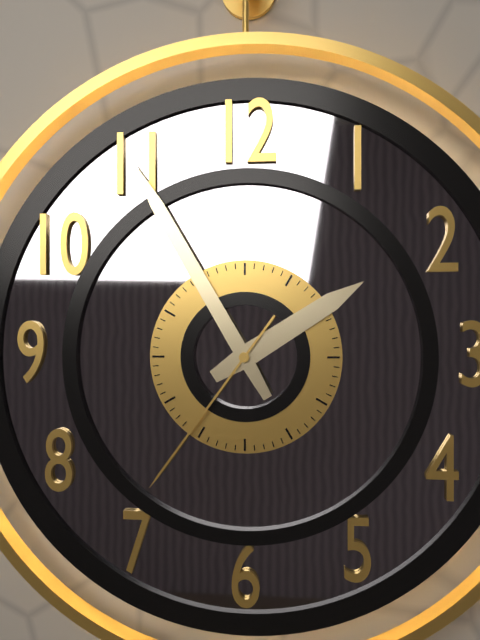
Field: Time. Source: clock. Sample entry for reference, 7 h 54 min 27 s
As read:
1 h 55 min 36 s
